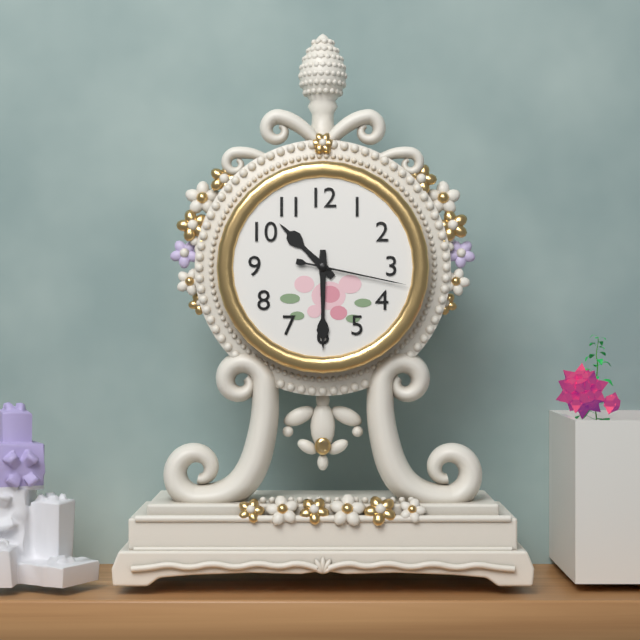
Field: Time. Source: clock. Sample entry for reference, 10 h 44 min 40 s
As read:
10 h 30 min 17 s
